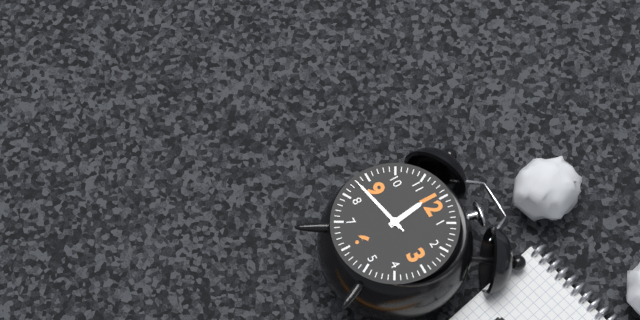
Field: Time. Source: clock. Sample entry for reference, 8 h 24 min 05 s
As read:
11 h 43 min 43 s
